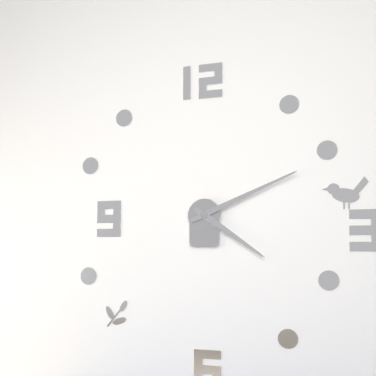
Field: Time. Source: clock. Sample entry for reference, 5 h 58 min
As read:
4 h 11 min
